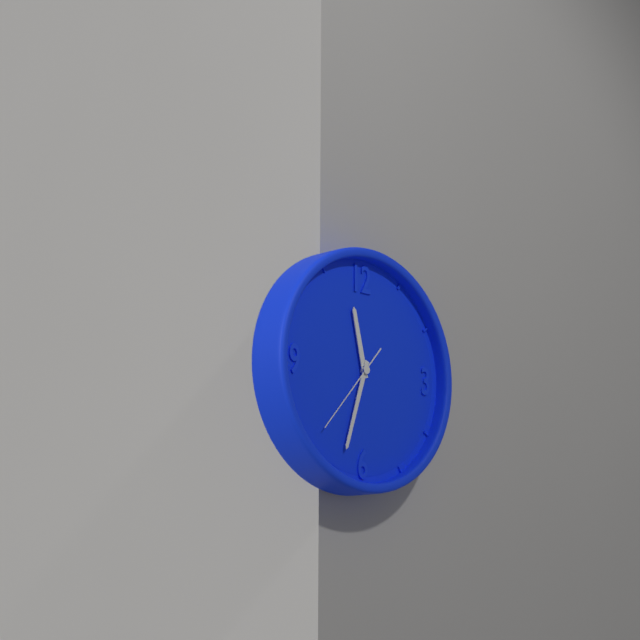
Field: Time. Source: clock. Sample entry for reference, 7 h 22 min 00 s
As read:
11 h 33 min 37 s
